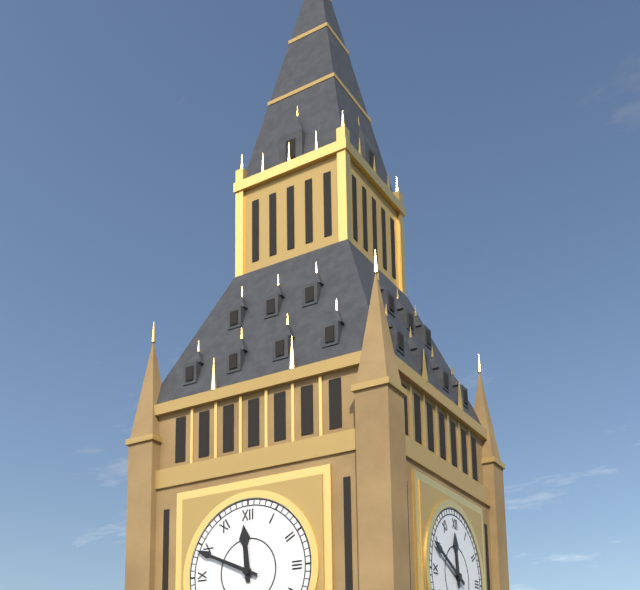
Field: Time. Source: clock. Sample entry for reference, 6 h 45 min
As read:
11 h 49 min
